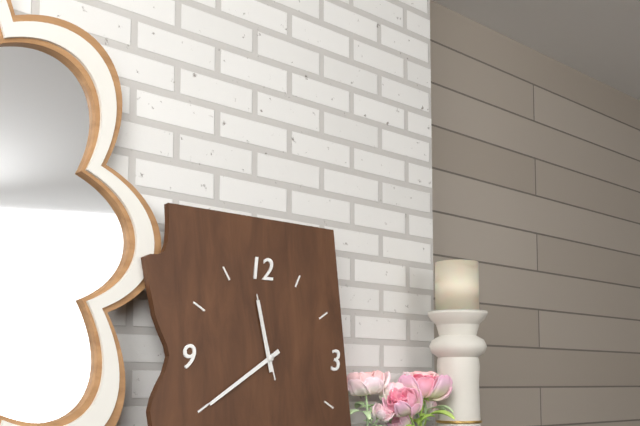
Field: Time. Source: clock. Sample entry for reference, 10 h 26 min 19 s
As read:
11 h 40 min 58 s
